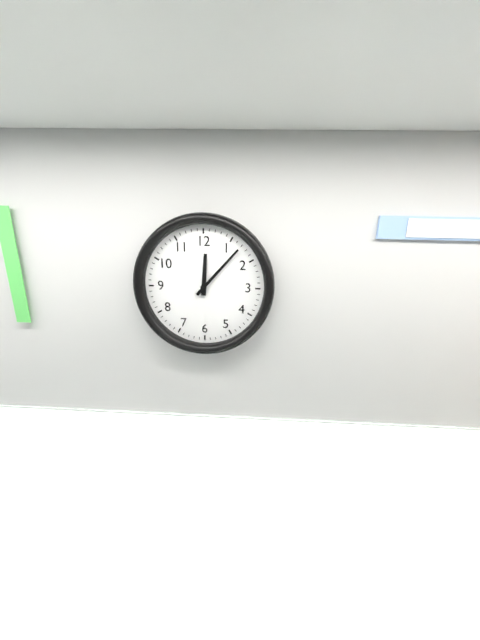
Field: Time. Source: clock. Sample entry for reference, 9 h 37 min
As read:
12 h 07 min
